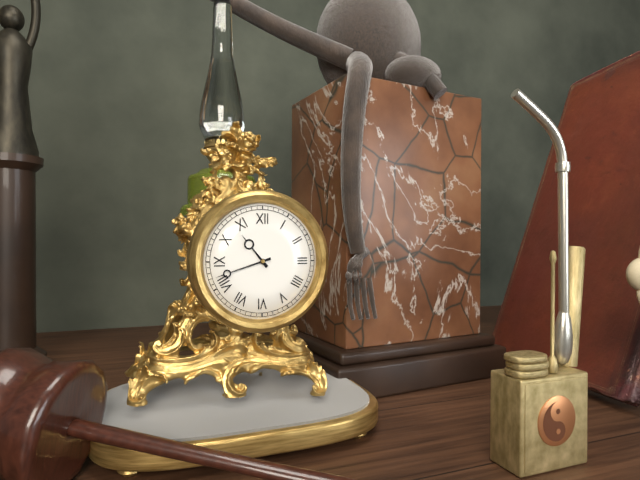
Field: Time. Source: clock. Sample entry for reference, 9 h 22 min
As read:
10 h 42 min
